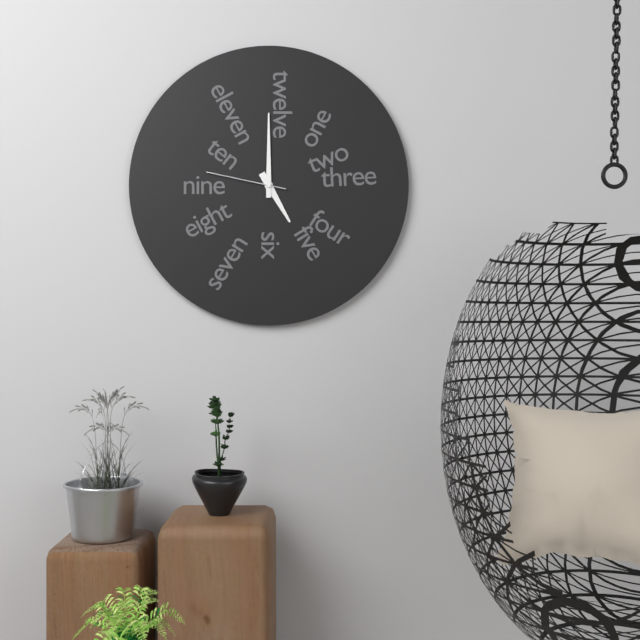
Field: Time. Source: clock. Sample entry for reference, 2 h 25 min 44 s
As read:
5 h 00 min 47 s
